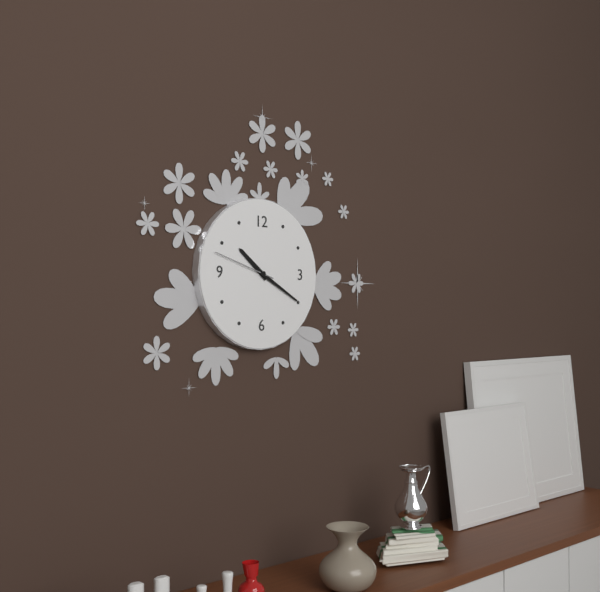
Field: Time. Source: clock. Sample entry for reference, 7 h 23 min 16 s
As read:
10 h 20 min 48 s
